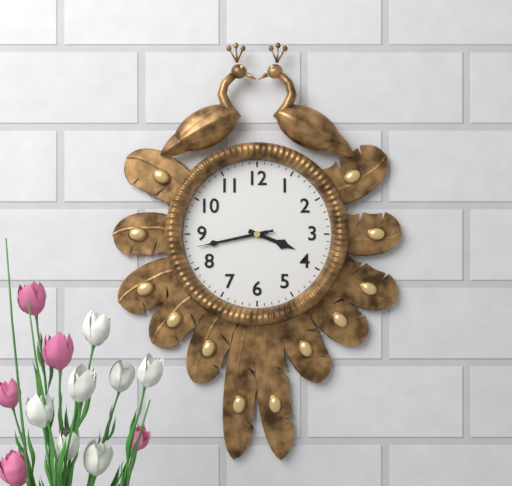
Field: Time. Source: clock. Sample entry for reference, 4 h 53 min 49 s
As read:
3 h 43 min 43 s
